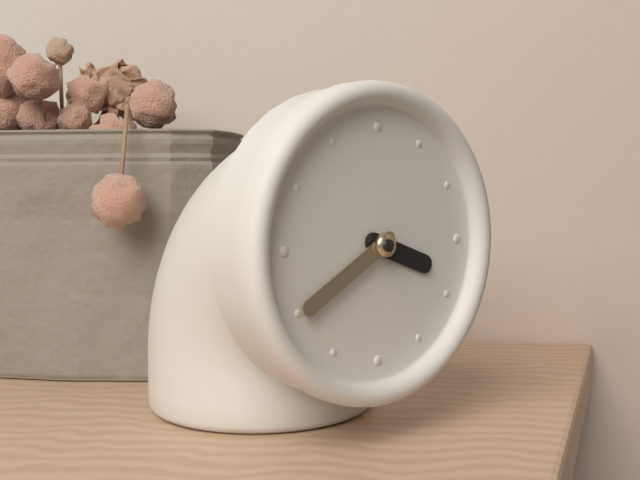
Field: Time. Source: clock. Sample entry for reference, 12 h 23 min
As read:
3 h 40 min
